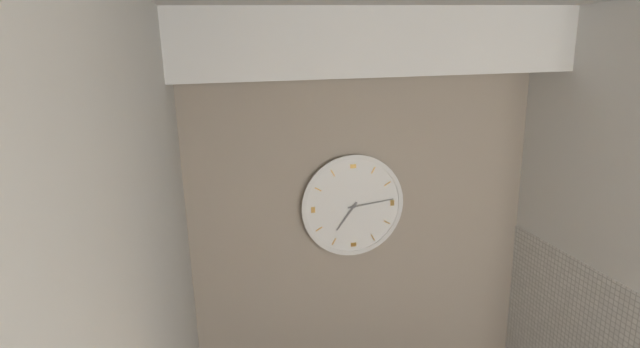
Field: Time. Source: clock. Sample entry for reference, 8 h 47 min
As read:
7 h 14 min
